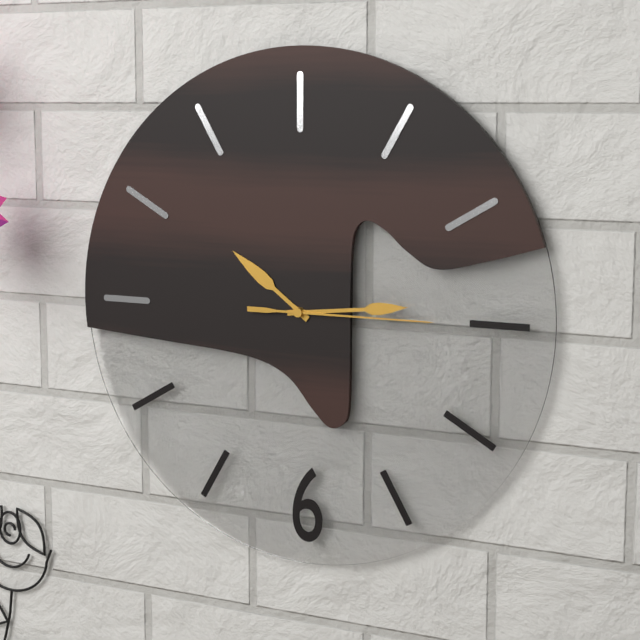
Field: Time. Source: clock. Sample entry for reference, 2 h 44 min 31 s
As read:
10 h 14 min 15 s
